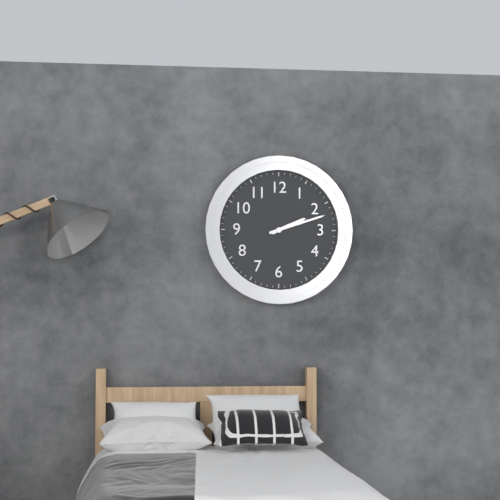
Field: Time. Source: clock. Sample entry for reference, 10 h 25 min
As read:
2 h 12 min
